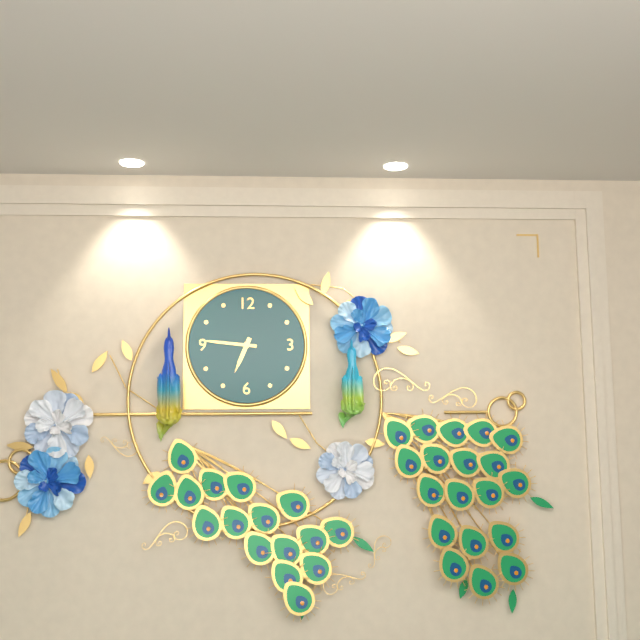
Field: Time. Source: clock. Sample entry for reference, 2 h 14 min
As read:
6 h 46 min
